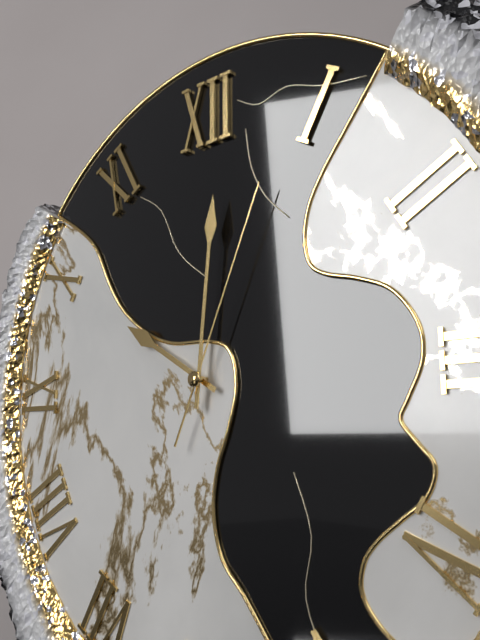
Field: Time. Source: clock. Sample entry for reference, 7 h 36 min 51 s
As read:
10 h 01 min 04 s
